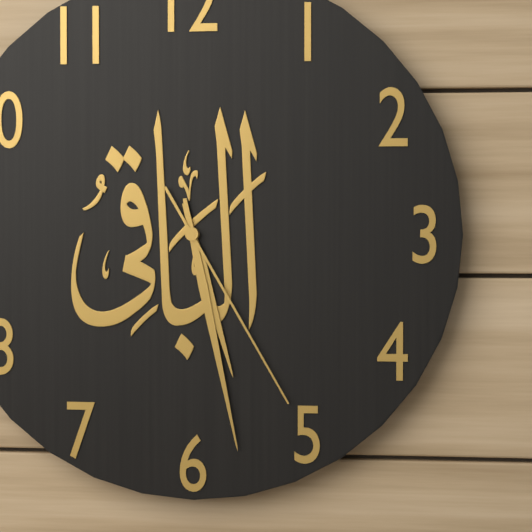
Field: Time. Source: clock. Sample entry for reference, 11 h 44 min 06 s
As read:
5 h 28 min 25 s
